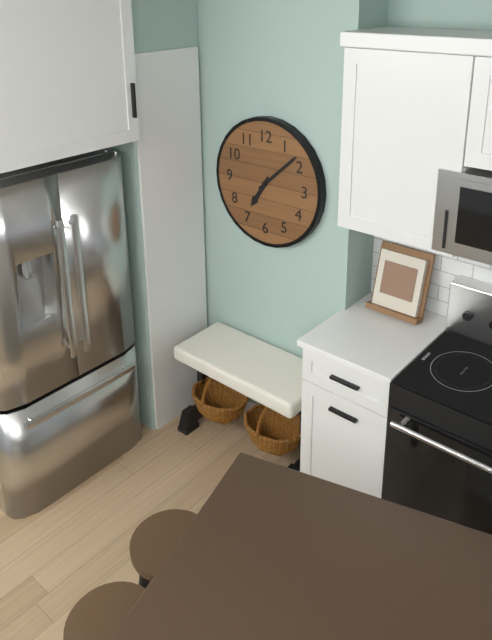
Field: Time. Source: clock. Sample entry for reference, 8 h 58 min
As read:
7 h 08 min
